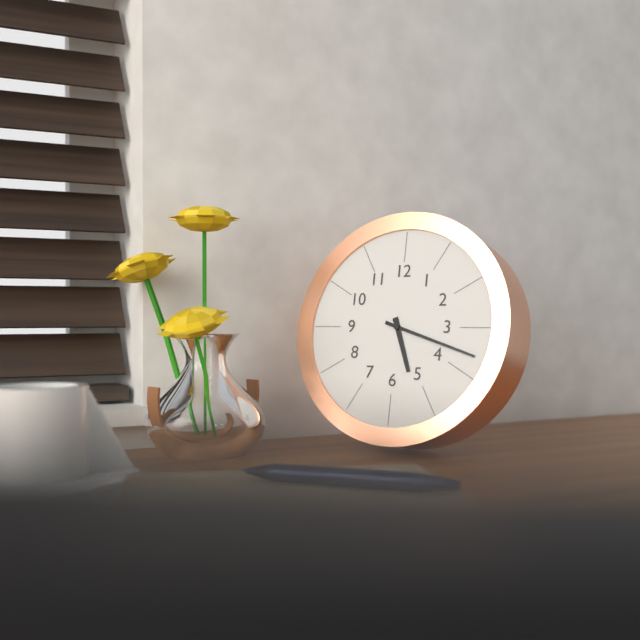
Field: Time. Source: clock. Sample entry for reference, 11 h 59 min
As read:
5 h 18 min
